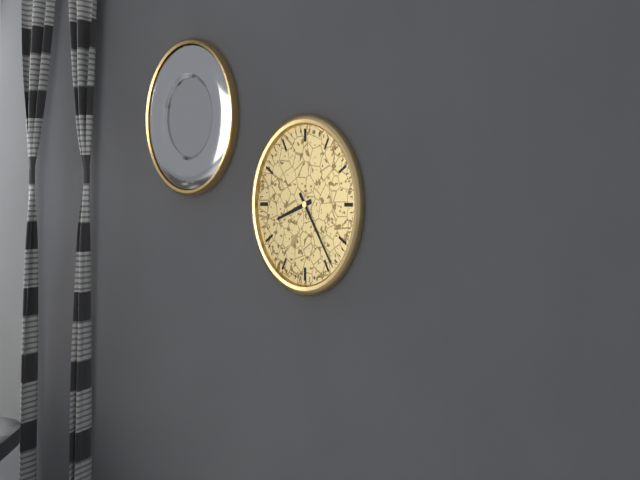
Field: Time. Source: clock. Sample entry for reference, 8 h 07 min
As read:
8 h 24 min
